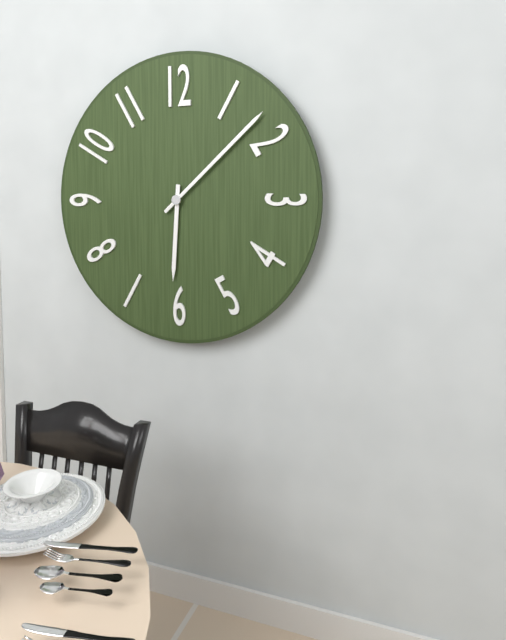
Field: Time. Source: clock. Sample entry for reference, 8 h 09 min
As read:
6 h 08 min
